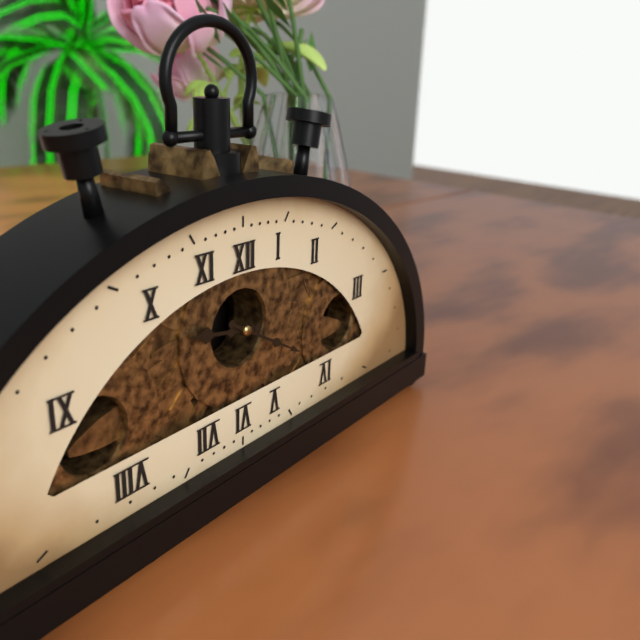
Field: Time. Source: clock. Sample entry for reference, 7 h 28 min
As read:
9 h 20 min
